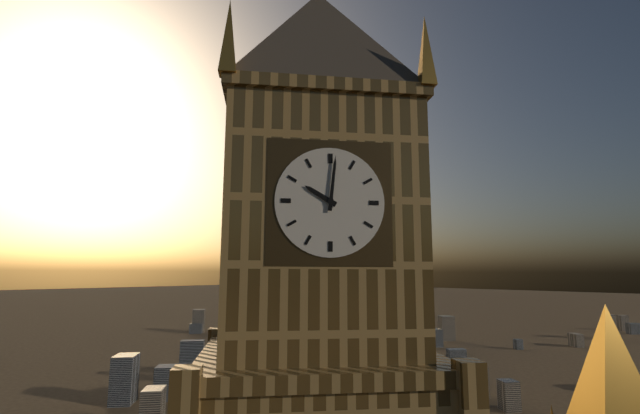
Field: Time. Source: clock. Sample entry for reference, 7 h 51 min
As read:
10 h 01 min
